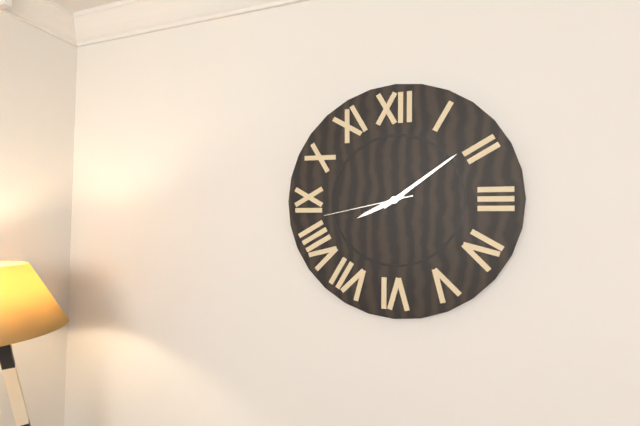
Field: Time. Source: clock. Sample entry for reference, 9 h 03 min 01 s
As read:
8 h 09 min 43 s
